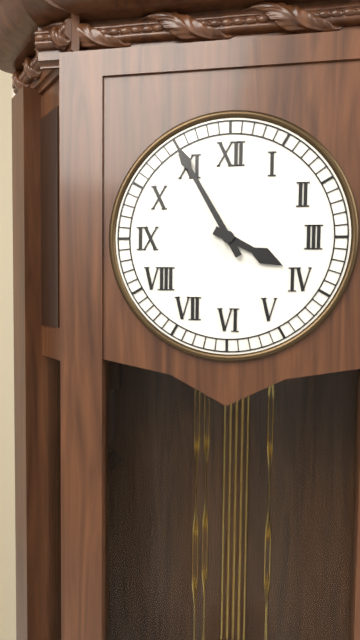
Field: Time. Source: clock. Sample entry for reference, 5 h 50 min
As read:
3 h 55 min
